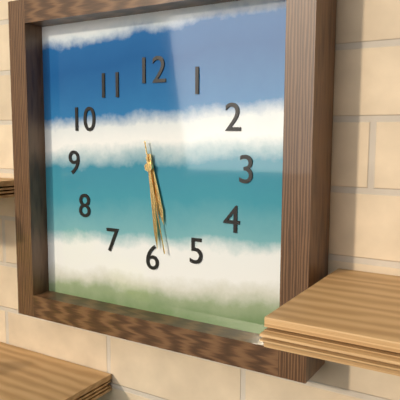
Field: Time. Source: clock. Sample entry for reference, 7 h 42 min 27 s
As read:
5 h 29 min 28 s
